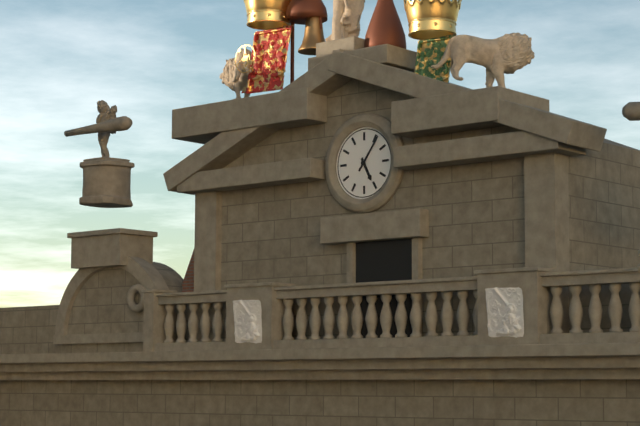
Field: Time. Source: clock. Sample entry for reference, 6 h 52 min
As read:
5 h 06 min
